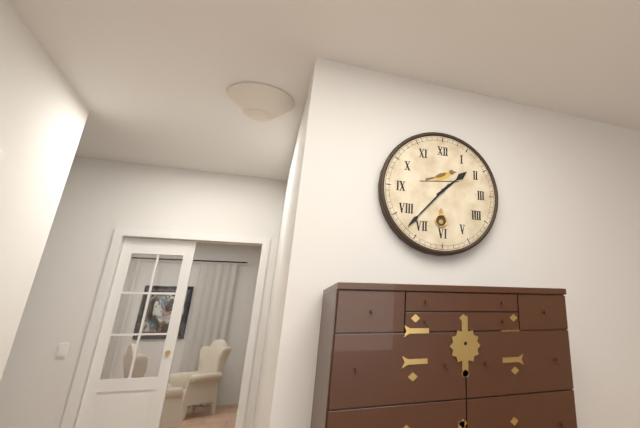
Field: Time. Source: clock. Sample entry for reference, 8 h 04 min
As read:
1 h 37 min
